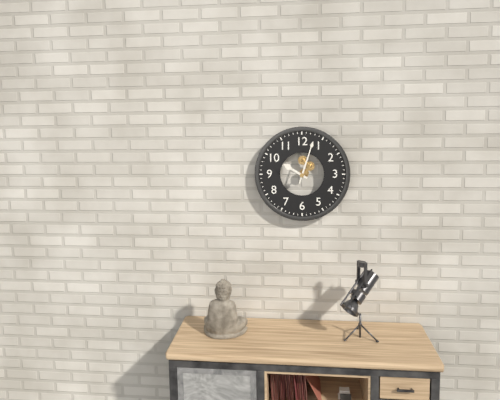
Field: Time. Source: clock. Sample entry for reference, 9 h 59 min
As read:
10 h 03 min
